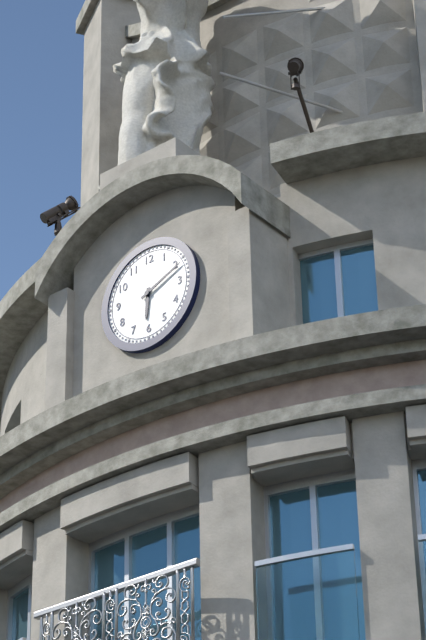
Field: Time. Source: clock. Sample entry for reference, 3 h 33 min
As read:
6 h 11 min
